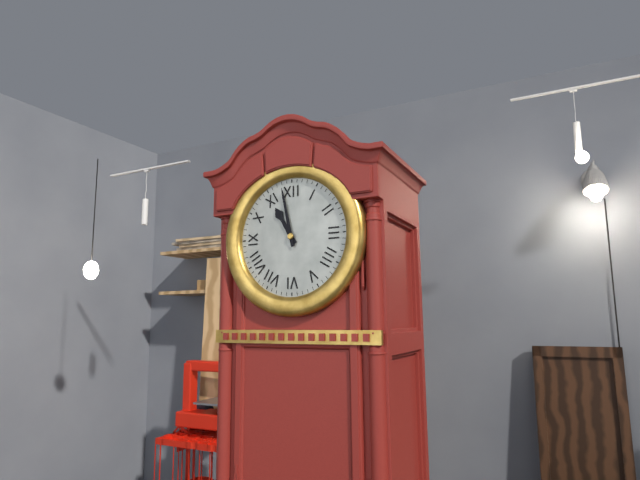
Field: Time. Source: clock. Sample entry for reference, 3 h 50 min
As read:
10 h 58 min
